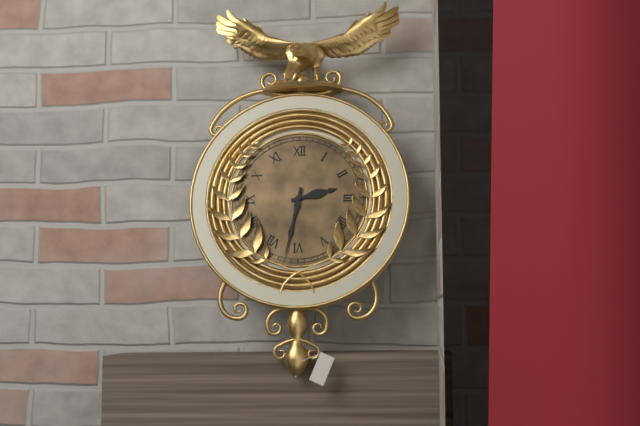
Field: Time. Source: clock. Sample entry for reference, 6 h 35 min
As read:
2 h 32 min
